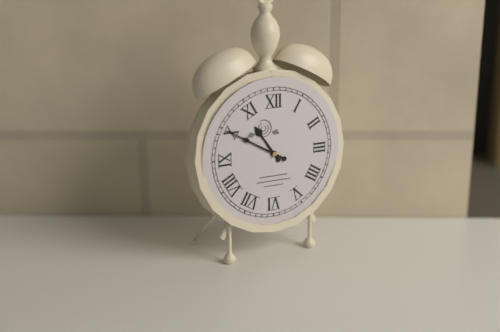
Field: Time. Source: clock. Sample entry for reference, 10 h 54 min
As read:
10 h 50 min
